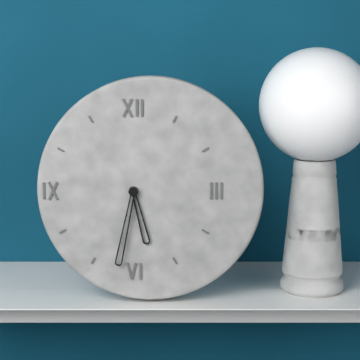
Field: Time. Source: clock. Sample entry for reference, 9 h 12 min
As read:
5 h 32 min
